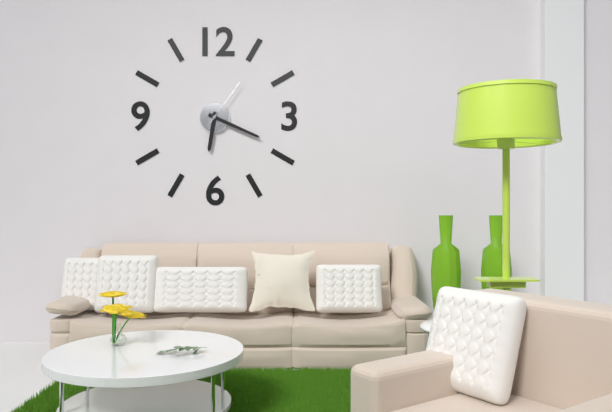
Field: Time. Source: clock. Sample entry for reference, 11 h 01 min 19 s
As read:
6 h 19 min 06 s
